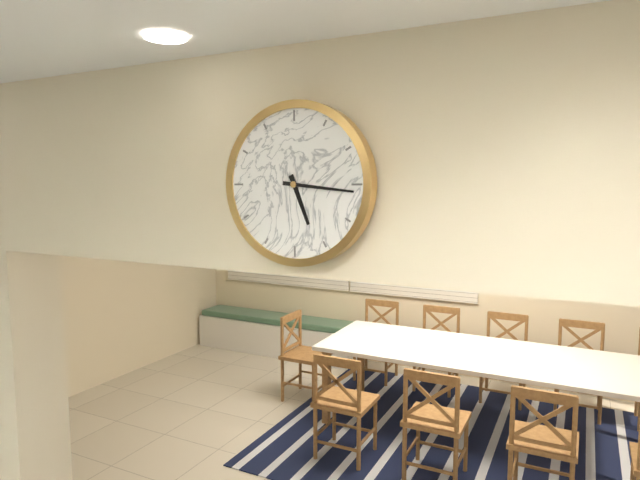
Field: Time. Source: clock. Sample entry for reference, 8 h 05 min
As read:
5 h 16 min
